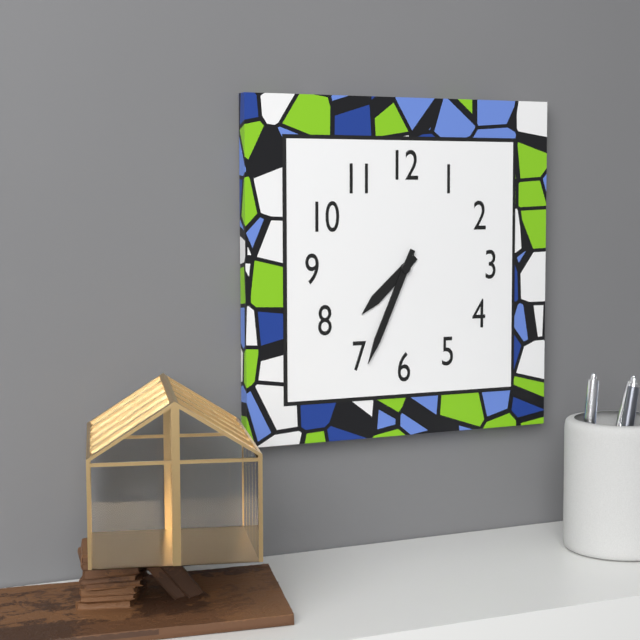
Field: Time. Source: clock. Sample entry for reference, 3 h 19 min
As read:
7 h 34 min
